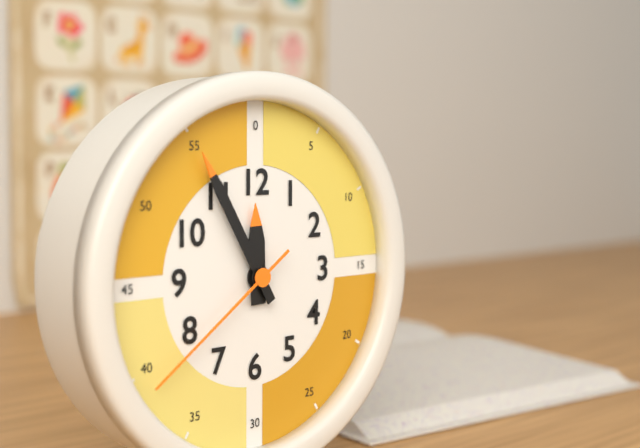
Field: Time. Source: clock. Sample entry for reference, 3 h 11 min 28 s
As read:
11 h 55 min 39 s
